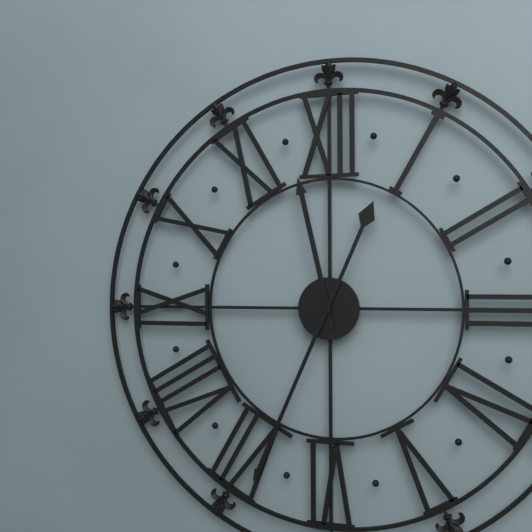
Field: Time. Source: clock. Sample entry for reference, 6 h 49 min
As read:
11 h 34 min
